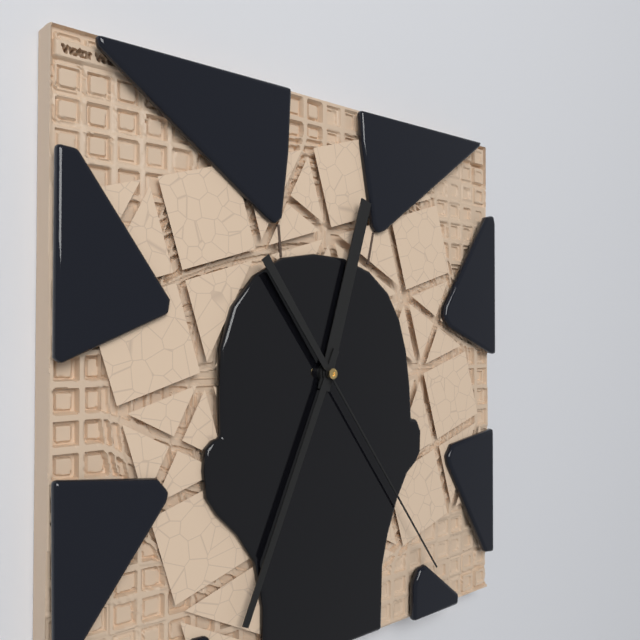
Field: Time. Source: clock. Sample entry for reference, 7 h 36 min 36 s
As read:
12 h 34 min 24 s
